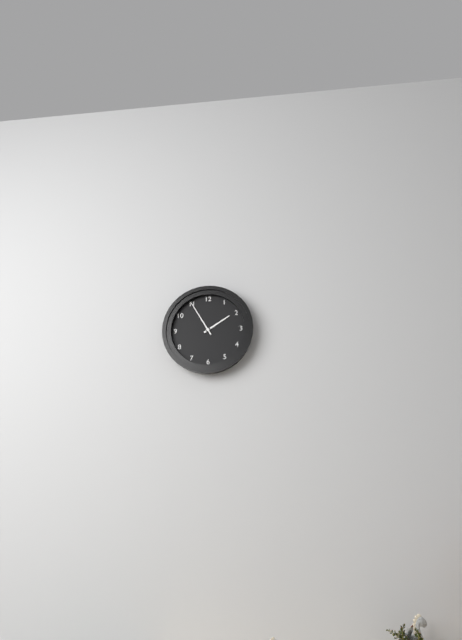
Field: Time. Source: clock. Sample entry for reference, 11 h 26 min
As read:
1 h 55 min
